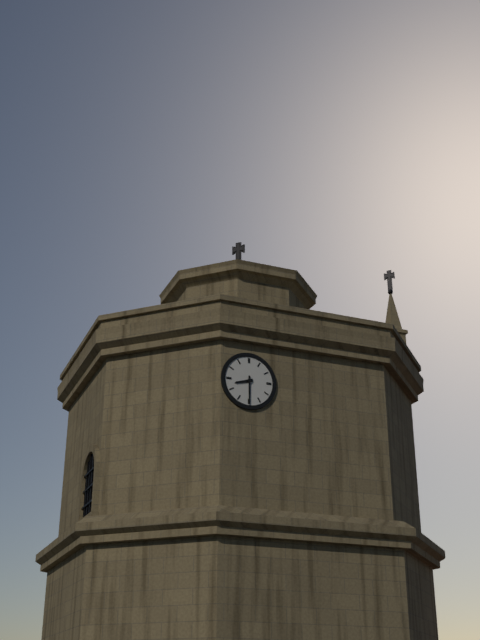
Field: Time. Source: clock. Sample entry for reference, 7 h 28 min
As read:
8 h 30 min
